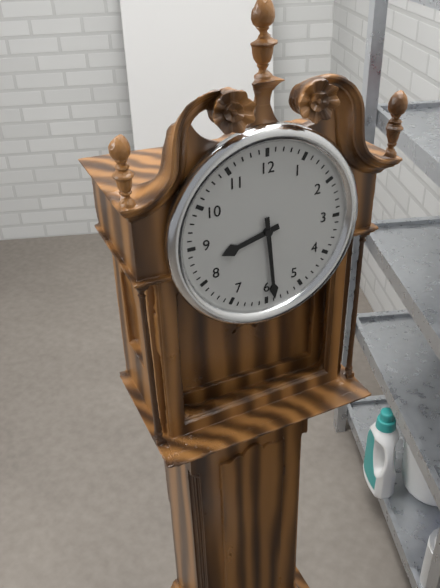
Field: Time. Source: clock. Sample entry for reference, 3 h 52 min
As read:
8 h 29 min
